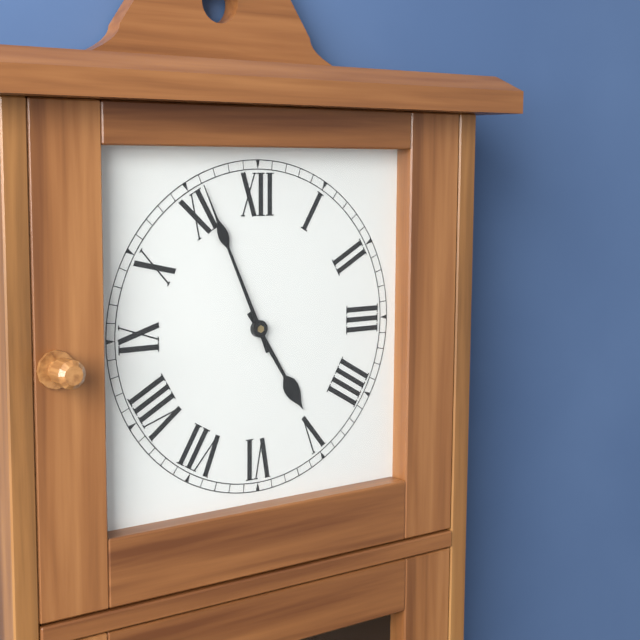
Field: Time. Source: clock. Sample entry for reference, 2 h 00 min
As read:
4 h 56 min
